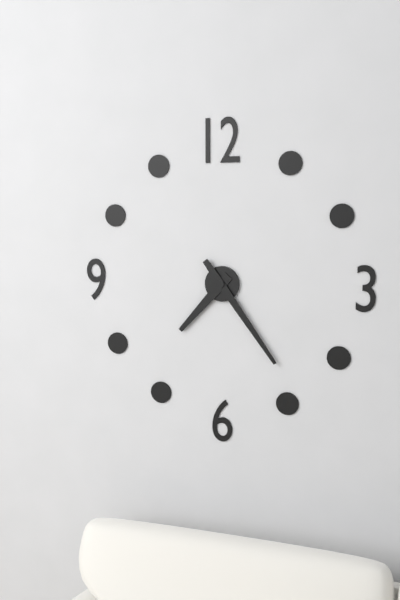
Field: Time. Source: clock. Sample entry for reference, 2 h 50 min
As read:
7 h 24 min
